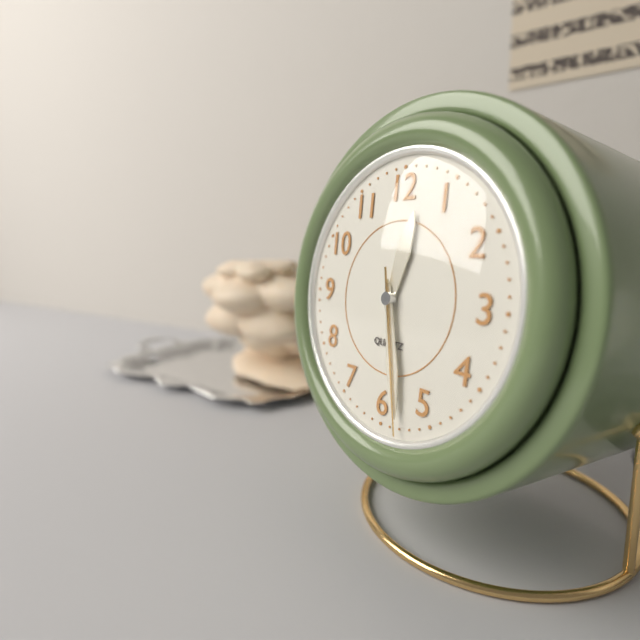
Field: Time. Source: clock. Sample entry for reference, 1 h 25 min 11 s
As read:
12 h 28 min 28 s
